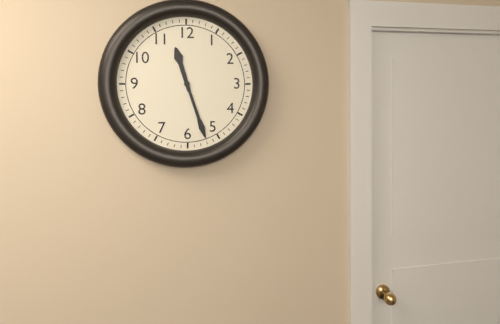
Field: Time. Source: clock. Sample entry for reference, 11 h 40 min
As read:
11 h 27 min
